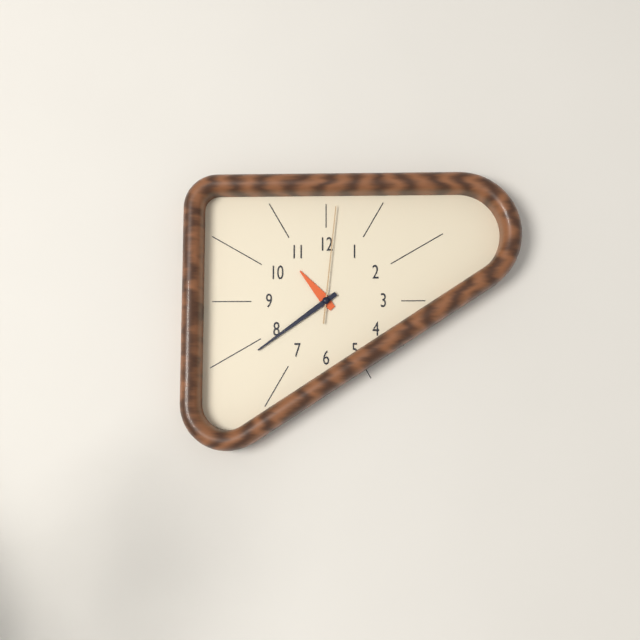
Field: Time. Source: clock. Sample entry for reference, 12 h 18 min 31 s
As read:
10 h 39 min 01 s
